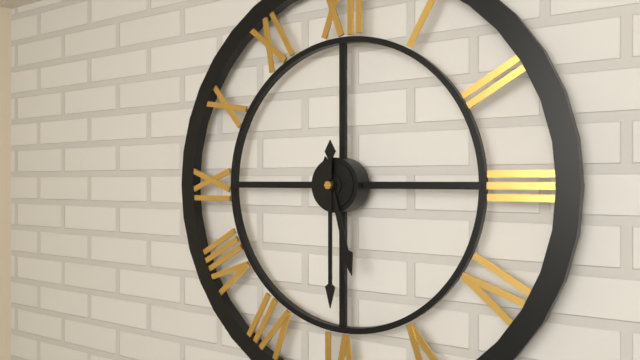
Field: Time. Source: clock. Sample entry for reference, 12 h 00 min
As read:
5 h 30 min
